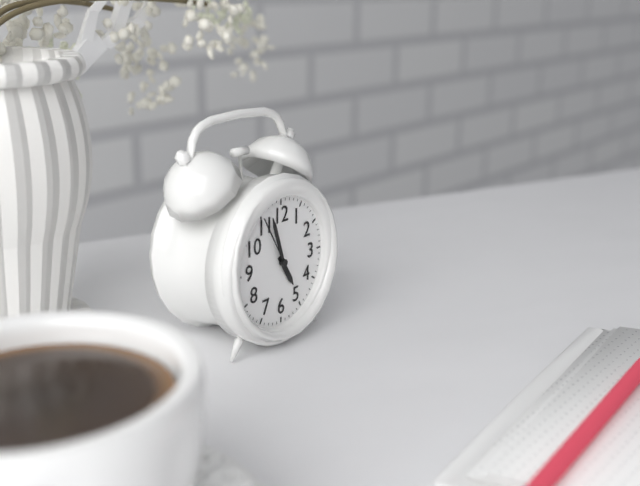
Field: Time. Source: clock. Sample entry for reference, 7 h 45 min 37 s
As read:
4 h 57 min 55 s
